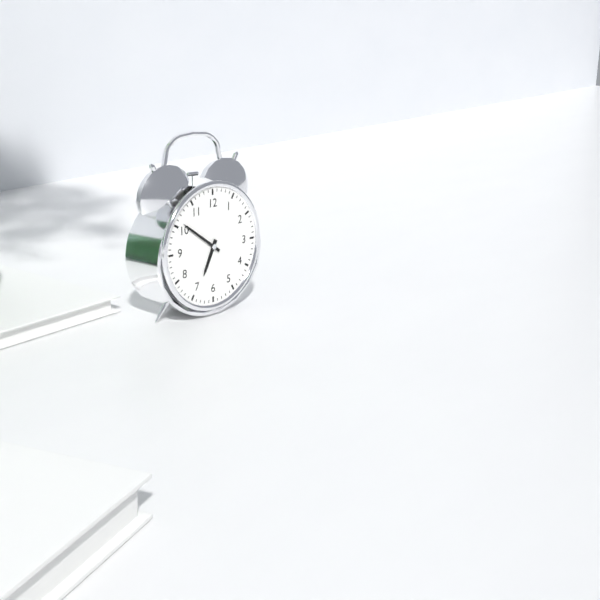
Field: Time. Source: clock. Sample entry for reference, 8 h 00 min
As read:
6 h 51 min
